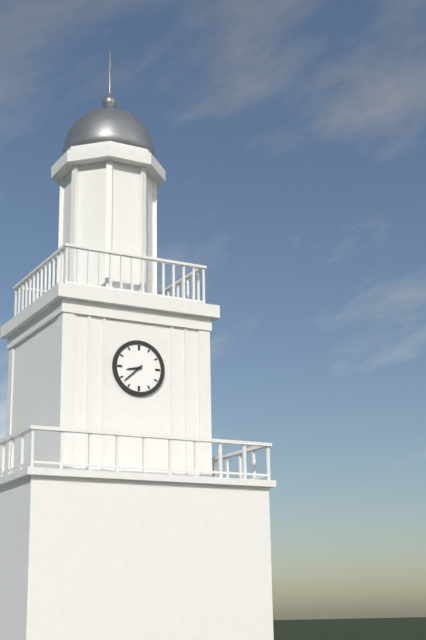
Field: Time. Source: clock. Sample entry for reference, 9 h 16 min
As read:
8 h 38 min
